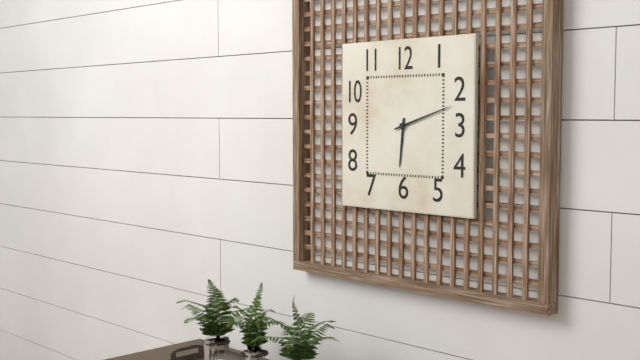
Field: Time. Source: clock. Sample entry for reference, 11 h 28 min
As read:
6 h 12 min
